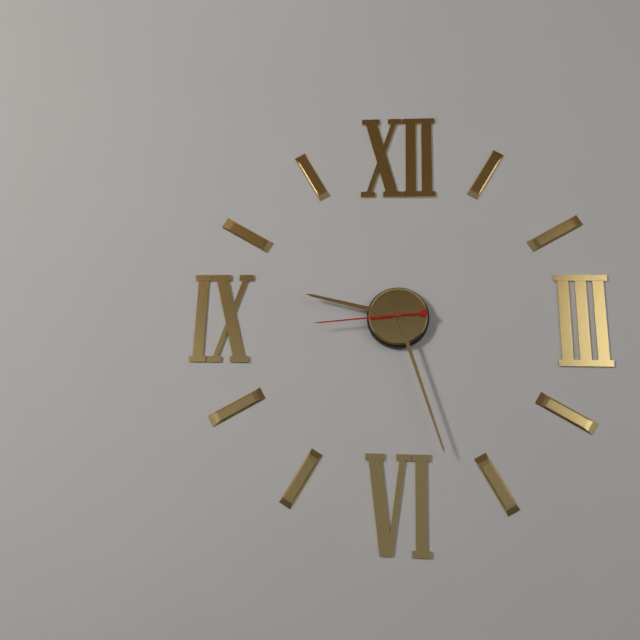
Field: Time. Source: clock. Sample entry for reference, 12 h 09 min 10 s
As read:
9 h 27 min 44 s
